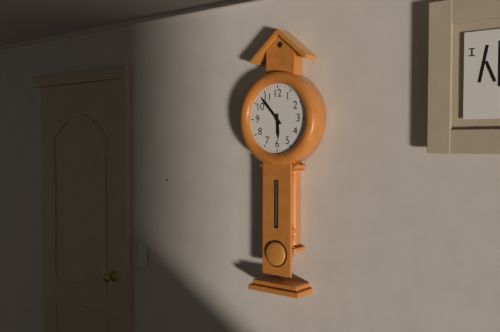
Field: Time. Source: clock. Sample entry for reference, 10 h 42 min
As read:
5 h 53 min
